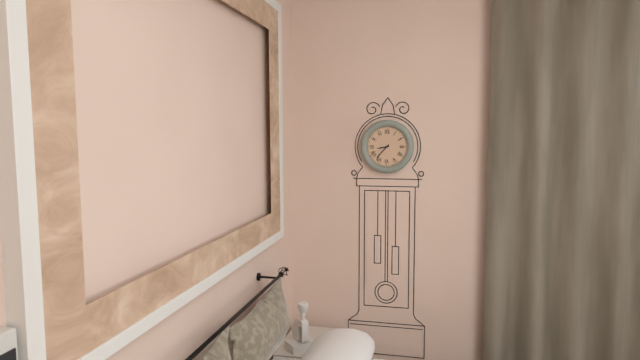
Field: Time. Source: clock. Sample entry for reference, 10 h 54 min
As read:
8 h 37 min
